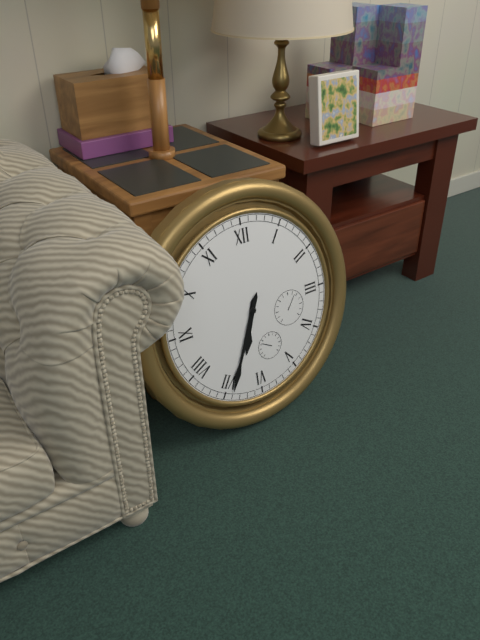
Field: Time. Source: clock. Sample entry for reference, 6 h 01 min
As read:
6 h 34 min
